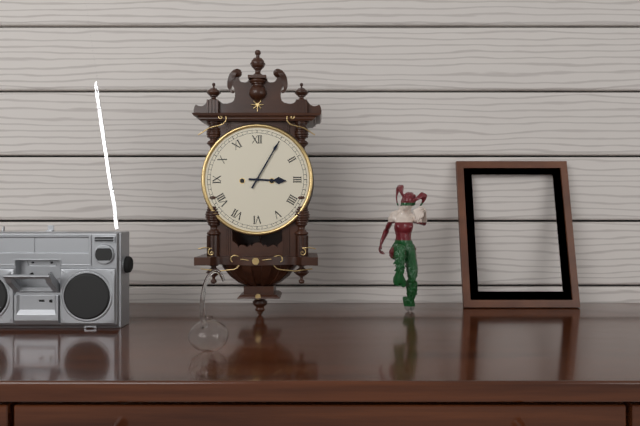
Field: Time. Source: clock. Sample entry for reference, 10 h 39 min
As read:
3 h 05 min
